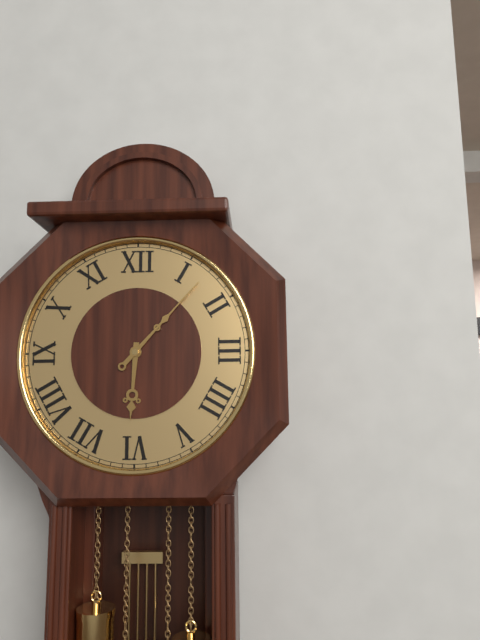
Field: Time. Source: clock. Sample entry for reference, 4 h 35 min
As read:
6 h 07 min
